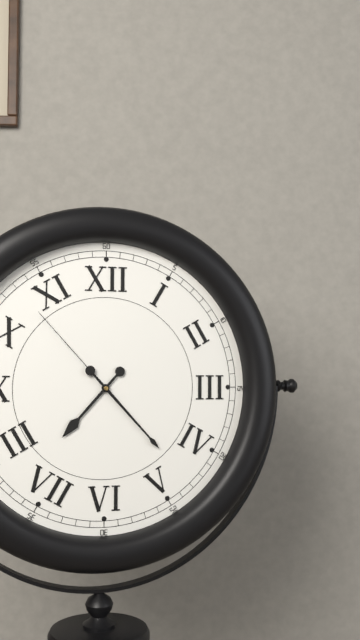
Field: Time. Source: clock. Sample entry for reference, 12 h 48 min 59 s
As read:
7 h 23 min 53 s
